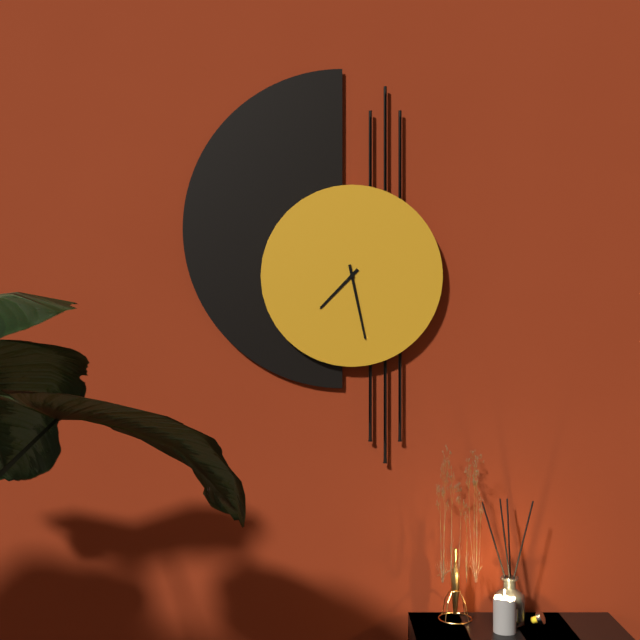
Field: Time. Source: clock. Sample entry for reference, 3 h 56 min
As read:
7 h 28 min
